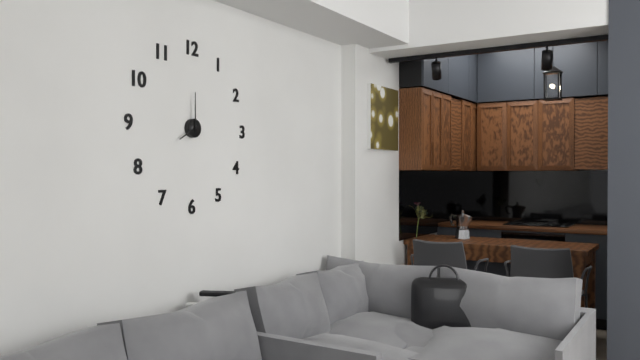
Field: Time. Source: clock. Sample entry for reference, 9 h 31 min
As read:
8 h 00 min
